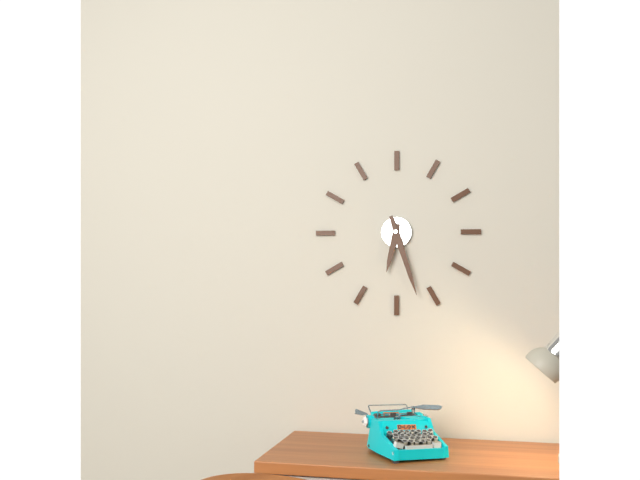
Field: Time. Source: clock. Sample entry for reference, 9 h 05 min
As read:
6 h 27 min
